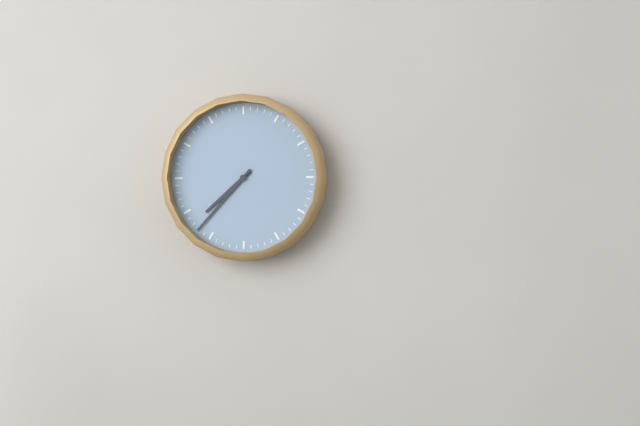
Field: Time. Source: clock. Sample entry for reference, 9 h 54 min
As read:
7 h 37 min
